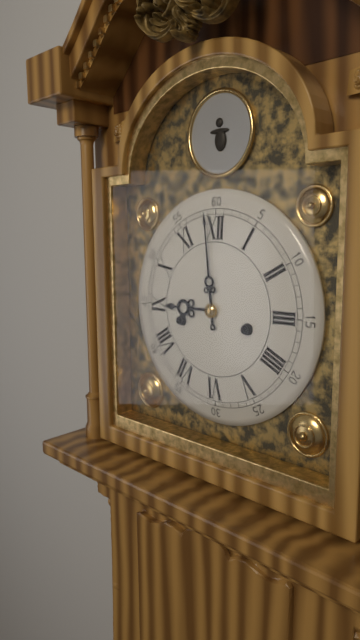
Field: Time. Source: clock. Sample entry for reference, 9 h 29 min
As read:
8 h 59 min
